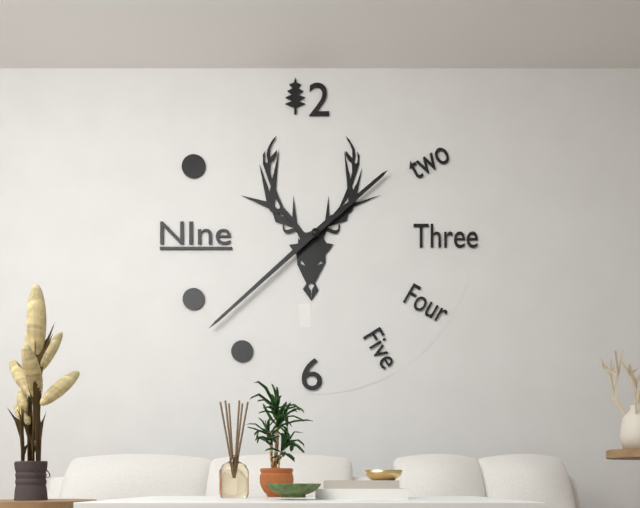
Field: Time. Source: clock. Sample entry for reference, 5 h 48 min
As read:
1 h 38 min
